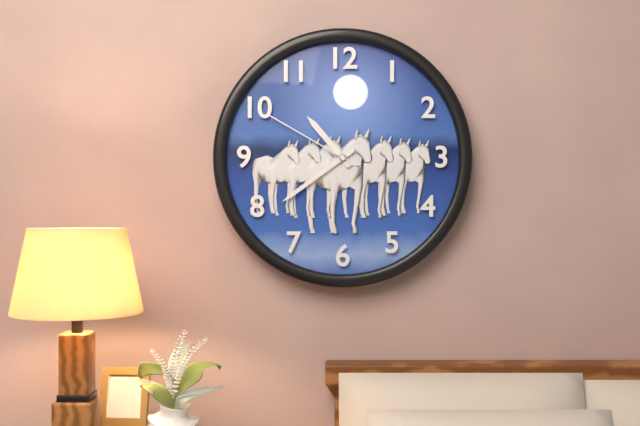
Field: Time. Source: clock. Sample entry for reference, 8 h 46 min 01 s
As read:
10 h 39 min 50 s
